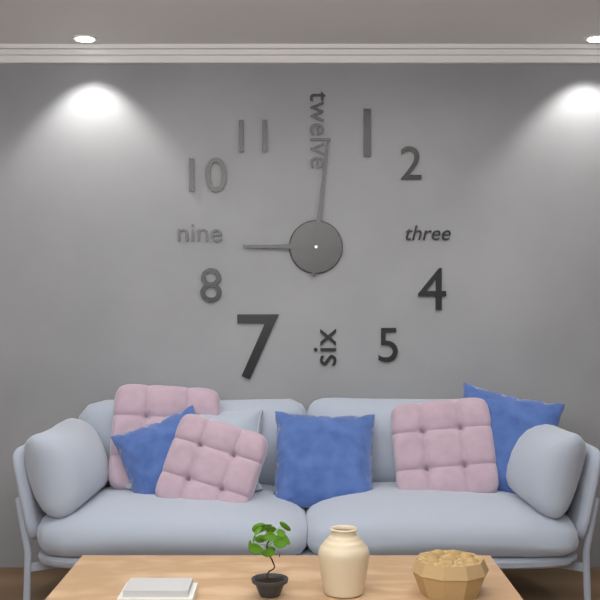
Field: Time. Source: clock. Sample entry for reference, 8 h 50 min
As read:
9 h 01 min
